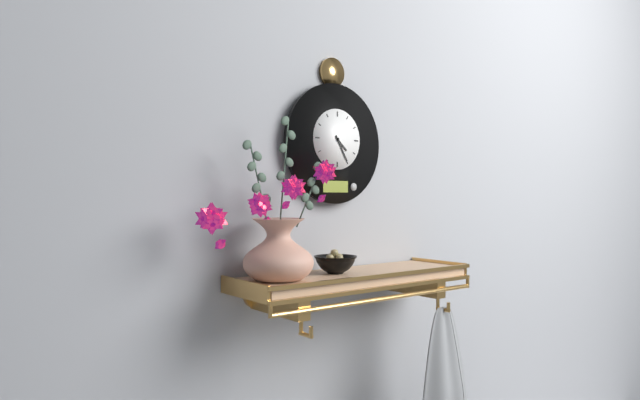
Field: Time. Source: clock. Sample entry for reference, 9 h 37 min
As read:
4 h 25 min
